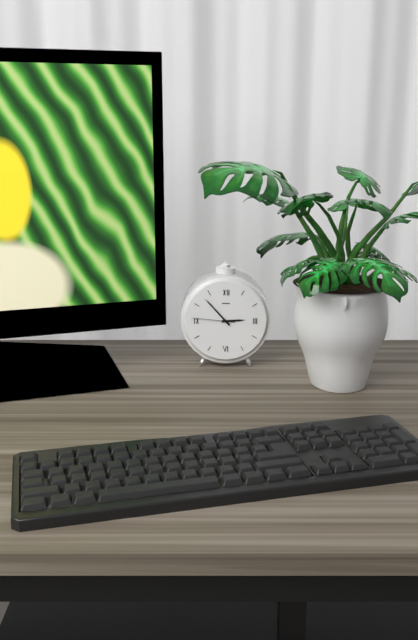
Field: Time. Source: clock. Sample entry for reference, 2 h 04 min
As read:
2 h 53 min
